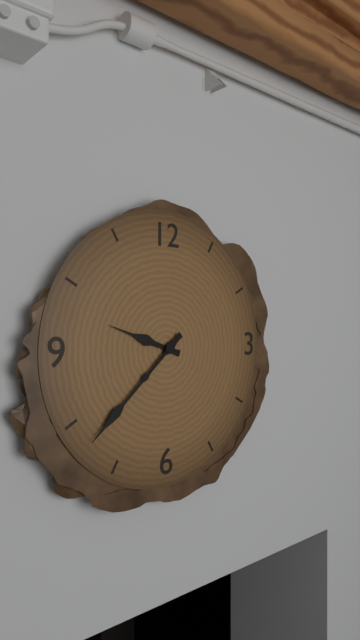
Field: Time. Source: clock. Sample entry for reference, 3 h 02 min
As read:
9 h 38 min
